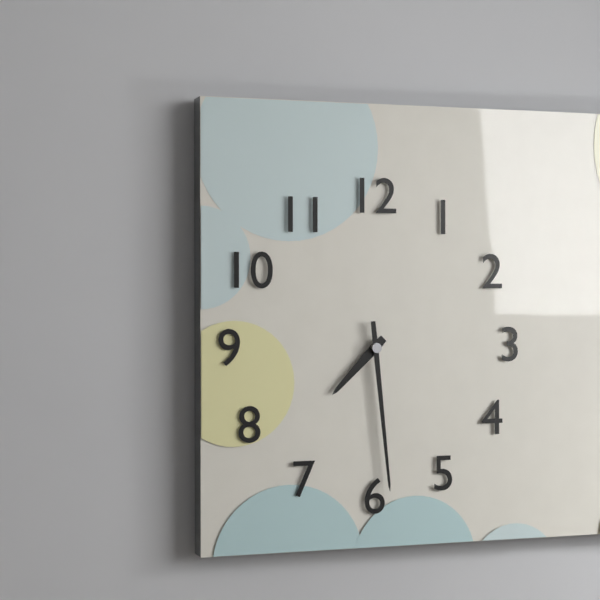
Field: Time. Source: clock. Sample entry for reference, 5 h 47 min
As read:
7 h 29 min
